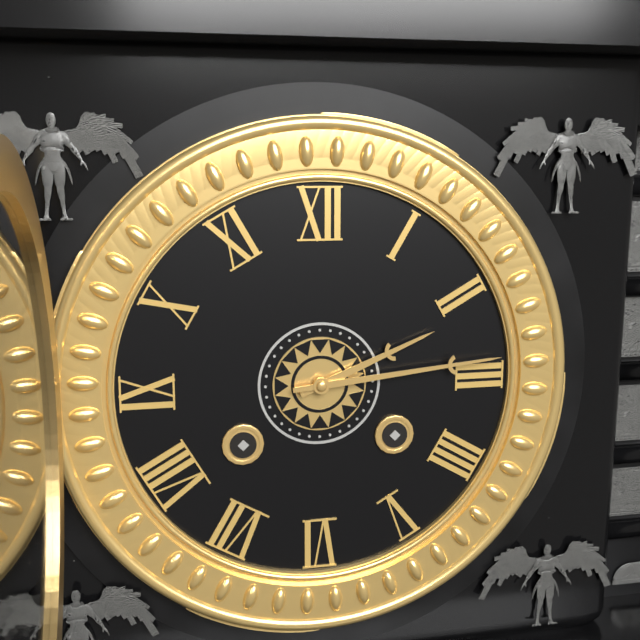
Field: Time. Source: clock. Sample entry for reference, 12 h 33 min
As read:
2 h 14 min
